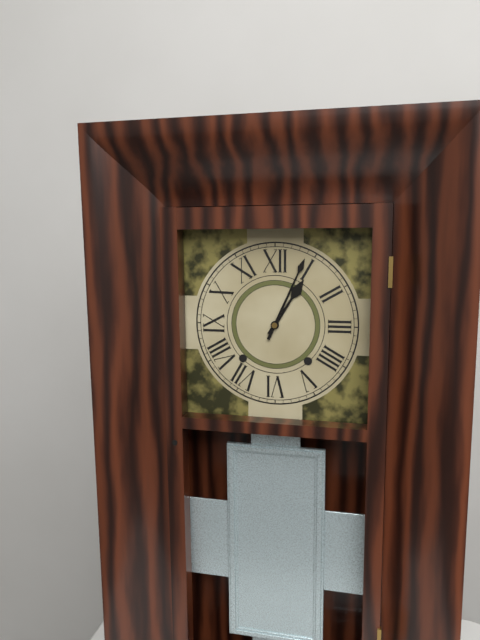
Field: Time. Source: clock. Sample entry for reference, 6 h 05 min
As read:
1 h 04 min
